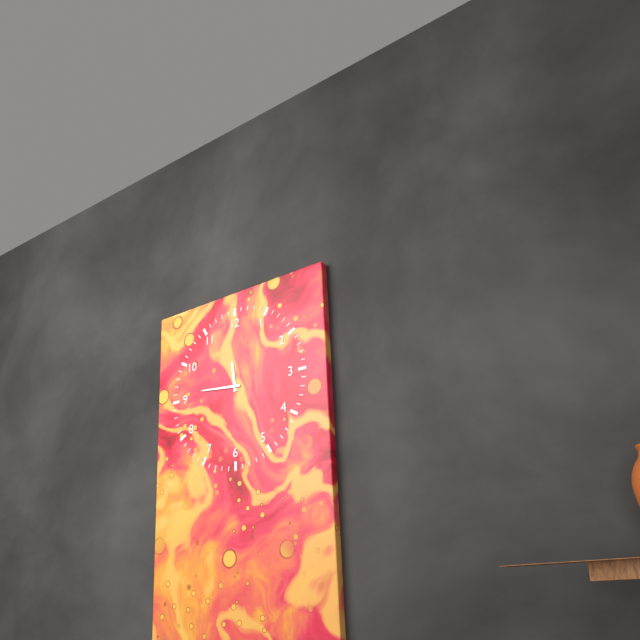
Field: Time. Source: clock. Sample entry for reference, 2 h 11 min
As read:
11 h 46 min
